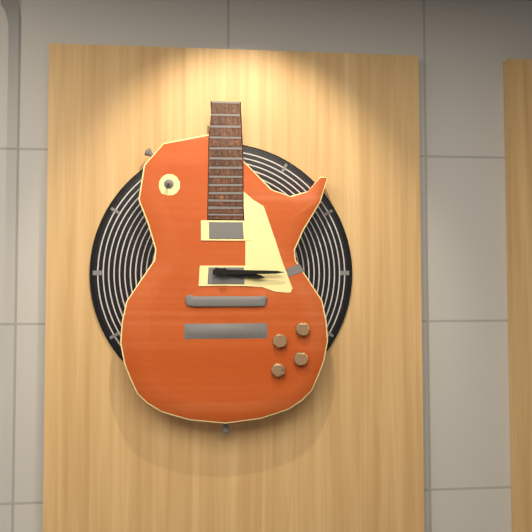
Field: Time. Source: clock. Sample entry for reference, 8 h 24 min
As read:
3 h 15 min
